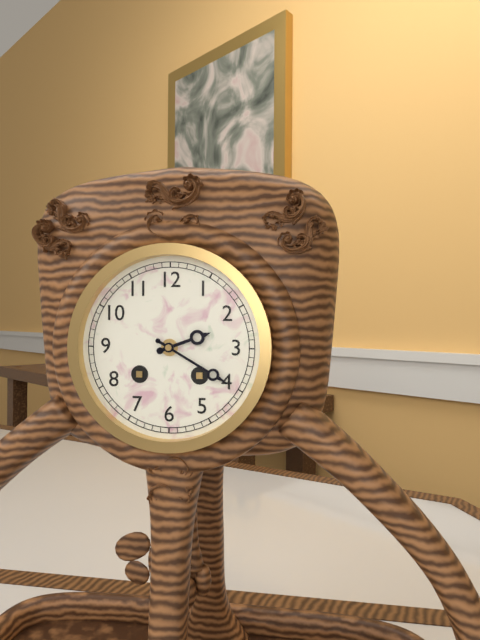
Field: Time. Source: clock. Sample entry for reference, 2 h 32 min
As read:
2 h 20 min
